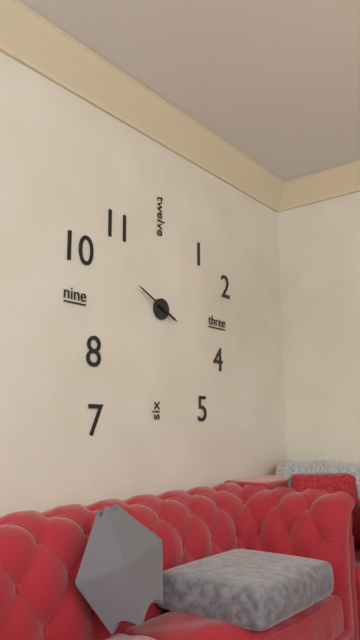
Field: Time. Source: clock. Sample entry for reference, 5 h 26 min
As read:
3 h 49 min
